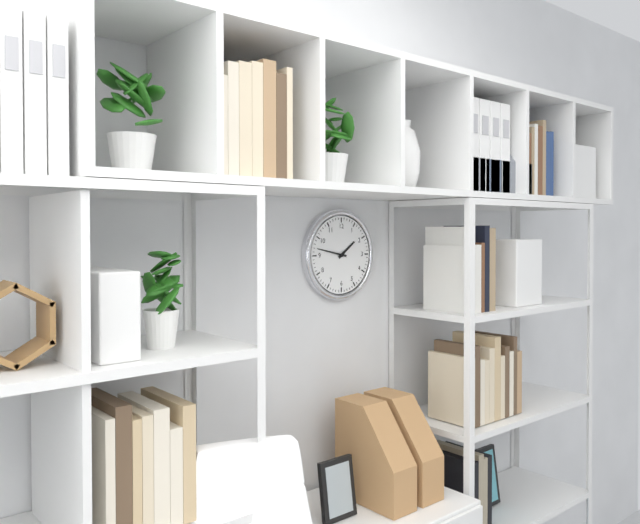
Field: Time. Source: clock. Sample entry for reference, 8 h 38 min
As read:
1 h 47 min
